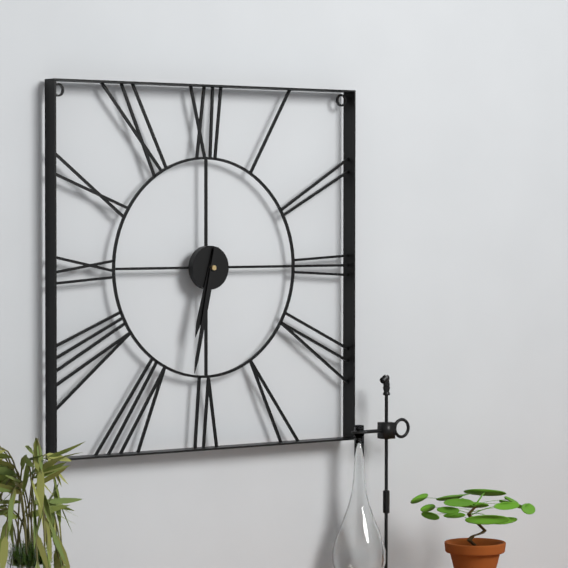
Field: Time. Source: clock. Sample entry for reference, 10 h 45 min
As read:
6 h 32 min
